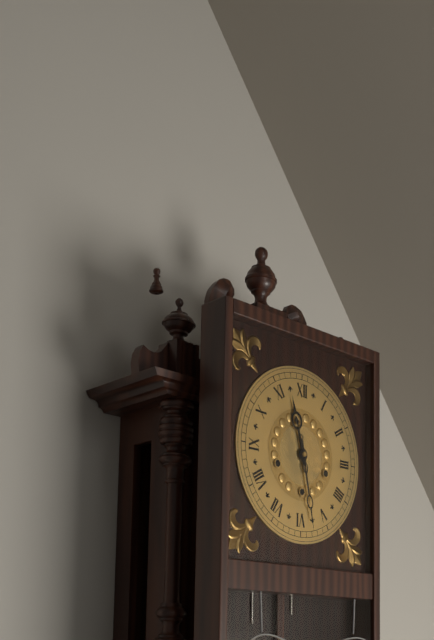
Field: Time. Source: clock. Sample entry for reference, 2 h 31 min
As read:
11 h 28 min
